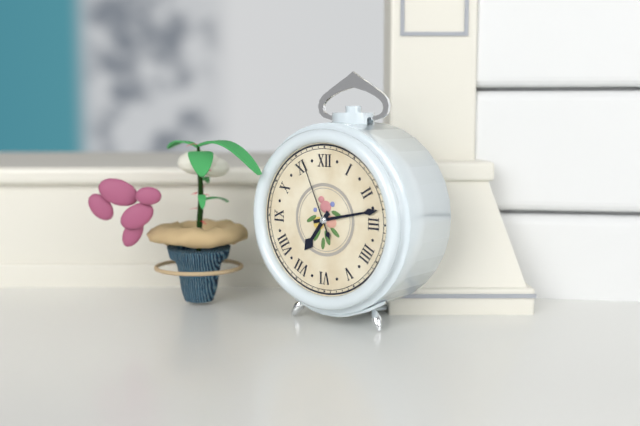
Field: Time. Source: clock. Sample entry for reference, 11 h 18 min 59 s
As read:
7 h 13 min 56 s
